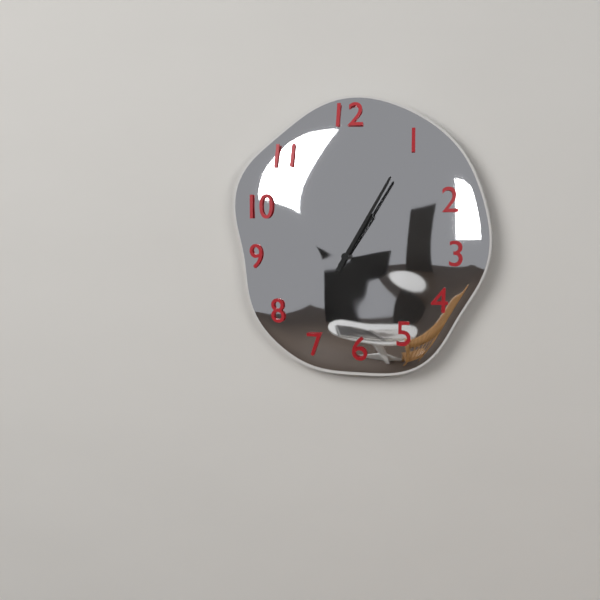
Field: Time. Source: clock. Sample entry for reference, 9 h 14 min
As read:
1 h 05 min
